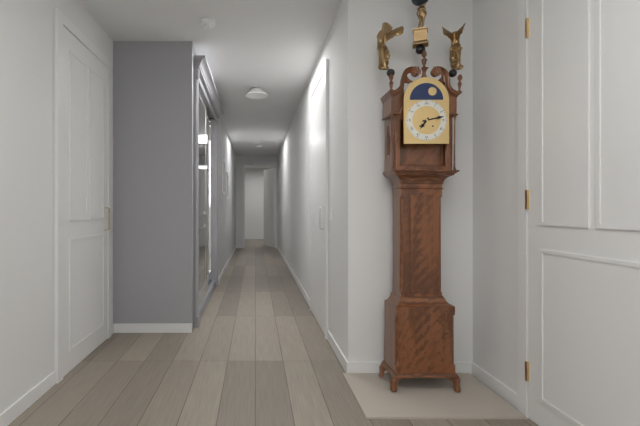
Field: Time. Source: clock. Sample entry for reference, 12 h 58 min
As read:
7 h 13 min
